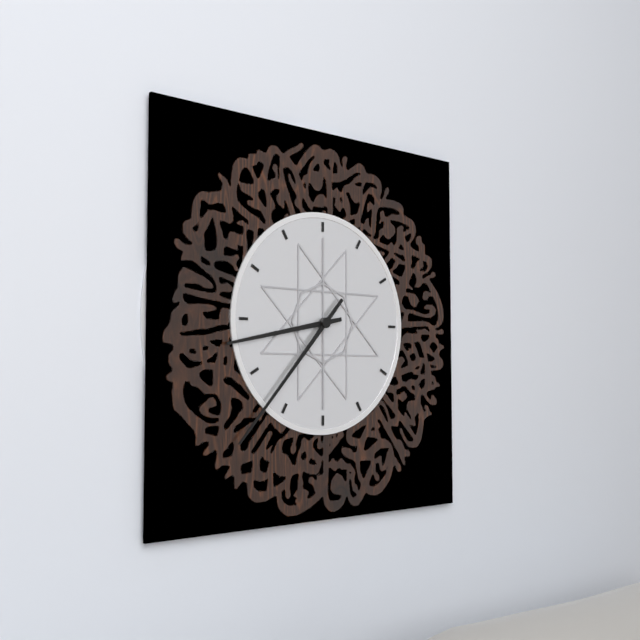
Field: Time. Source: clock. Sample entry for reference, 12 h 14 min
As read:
8 h 37 min
